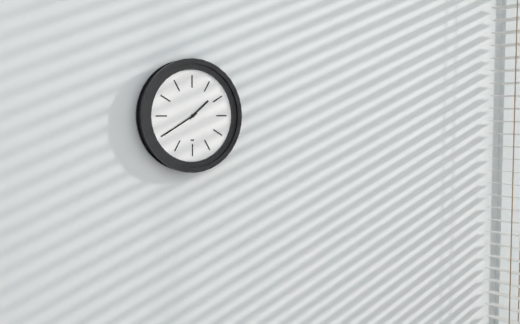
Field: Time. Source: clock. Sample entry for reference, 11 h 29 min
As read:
1 h 40 min
